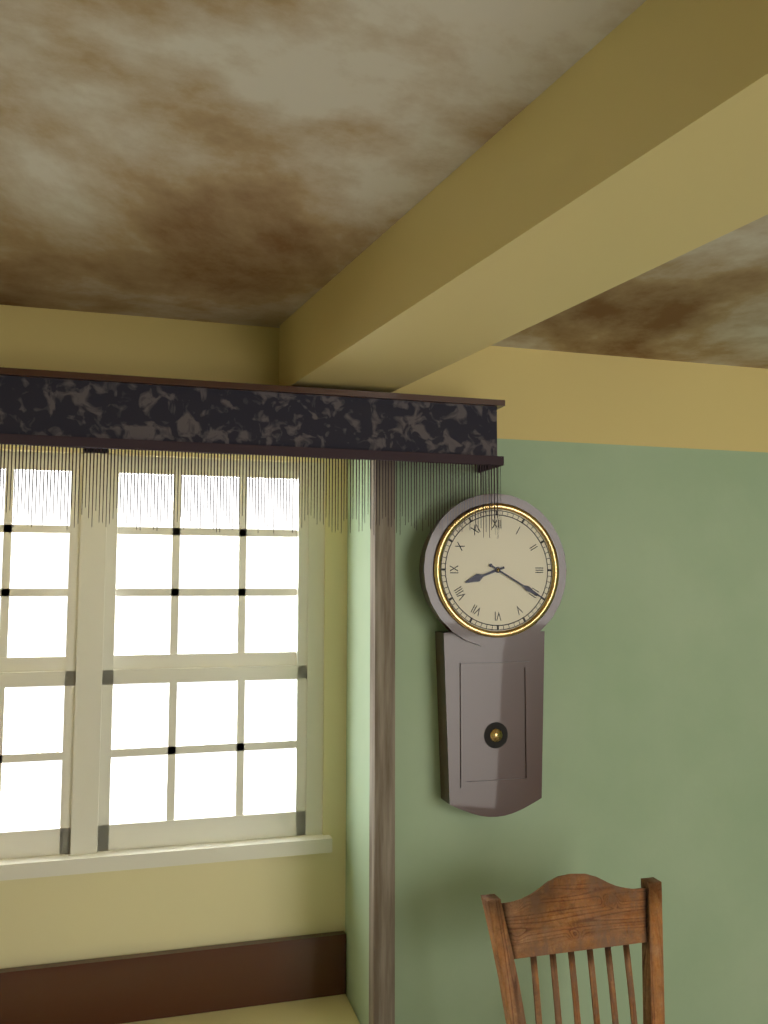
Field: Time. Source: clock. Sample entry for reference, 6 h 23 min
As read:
8 h 20 min
